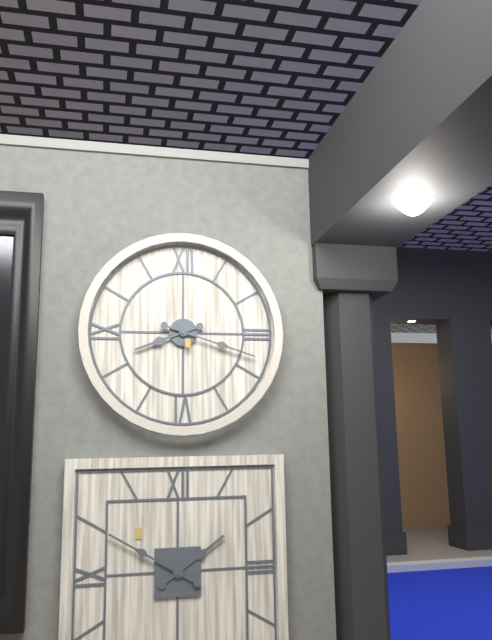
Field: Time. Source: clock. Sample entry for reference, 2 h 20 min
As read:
8 h 18 min
